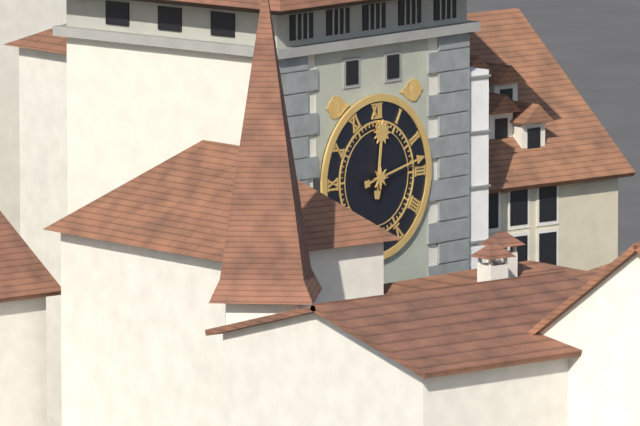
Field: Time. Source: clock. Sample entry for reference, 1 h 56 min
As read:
12 h 13 min
